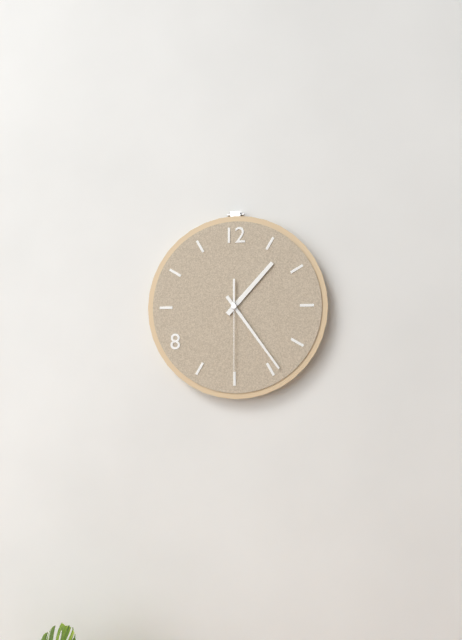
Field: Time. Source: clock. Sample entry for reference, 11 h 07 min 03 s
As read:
1 h 24 min 30 s
